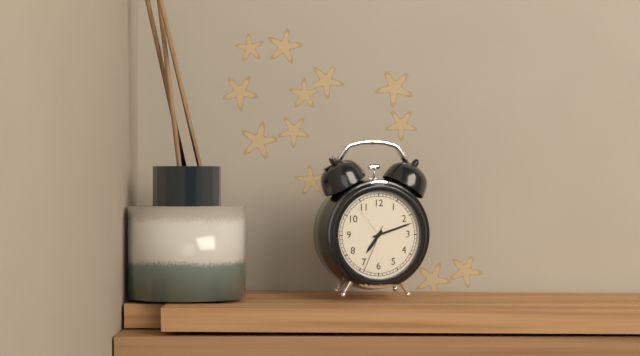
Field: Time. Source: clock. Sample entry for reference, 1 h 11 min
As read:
7 h 12 min
